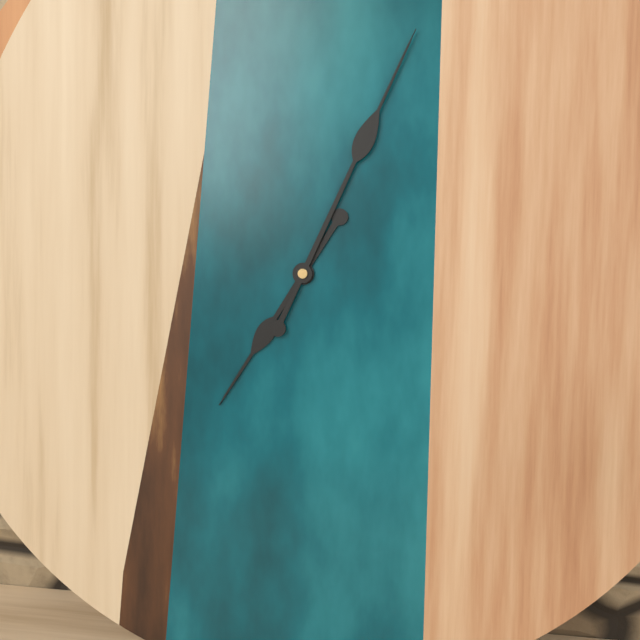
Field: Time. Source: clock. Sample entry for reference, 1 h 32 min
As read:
7 h 04 min
